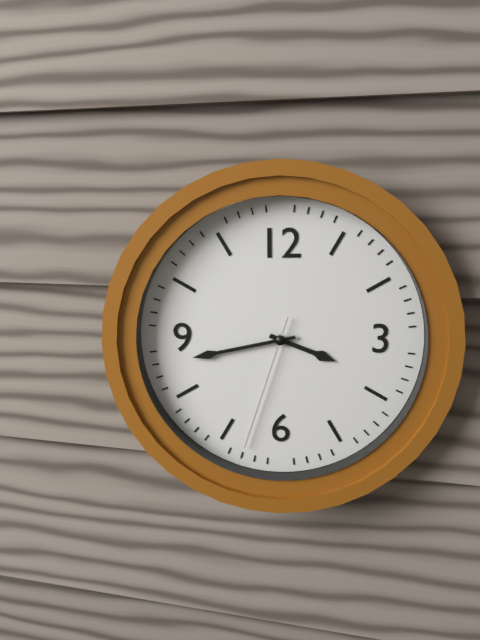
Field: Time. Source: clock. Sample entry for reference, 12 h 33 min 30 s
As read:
3 h 43 min 33 s
